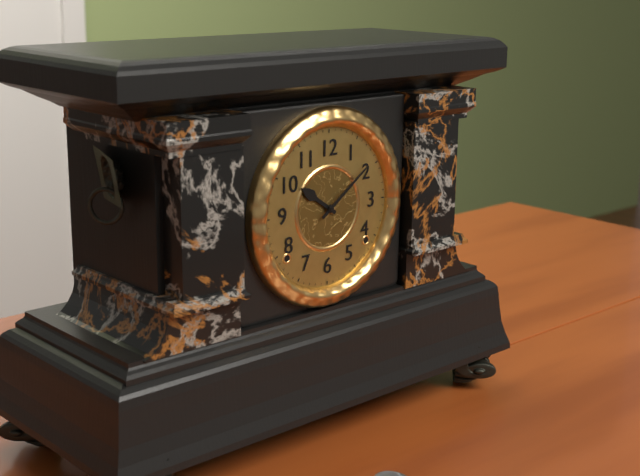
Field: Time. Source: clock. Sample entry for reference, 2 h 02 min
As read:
10 h 09 min
